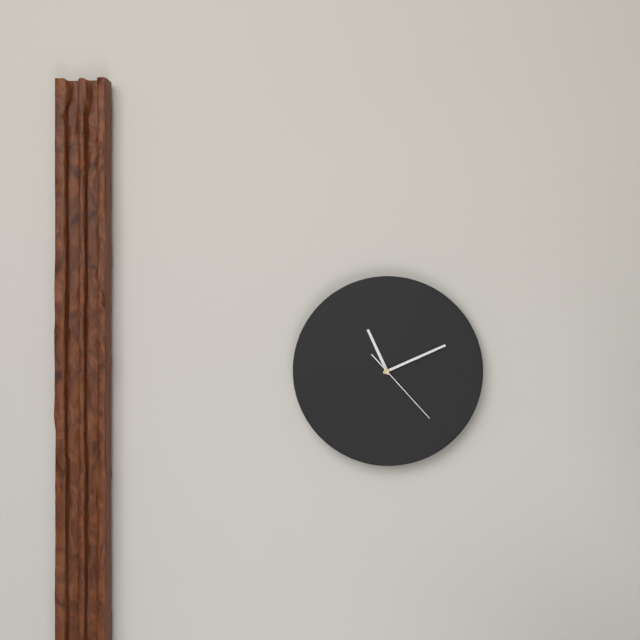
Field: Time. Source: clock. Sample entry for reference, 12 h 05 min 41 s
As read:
11 h 11 min 23 s
